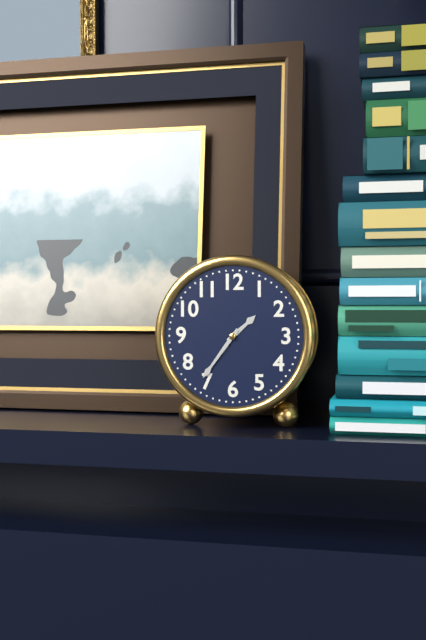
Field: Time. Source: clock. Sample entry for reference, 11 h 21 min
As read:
1 h 36 min
